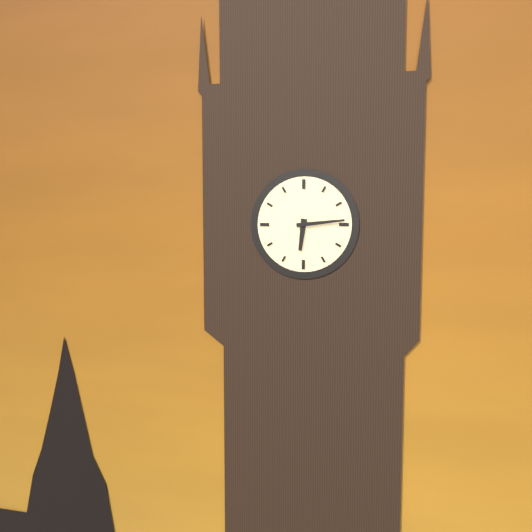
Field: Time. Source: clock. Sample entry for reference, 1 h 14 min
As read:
6 h 14 min
